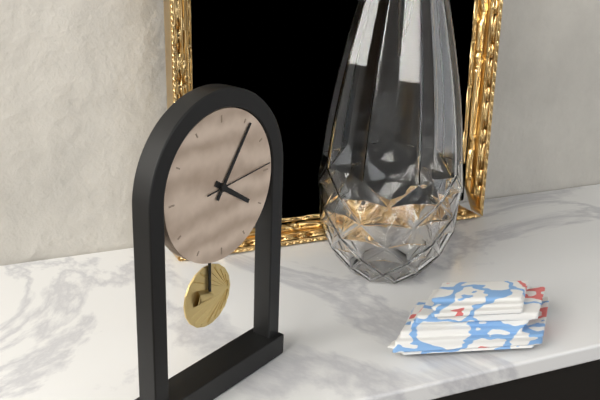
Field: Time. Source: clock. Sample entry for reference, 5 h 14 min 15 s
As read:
4 h 06 min 14 s
